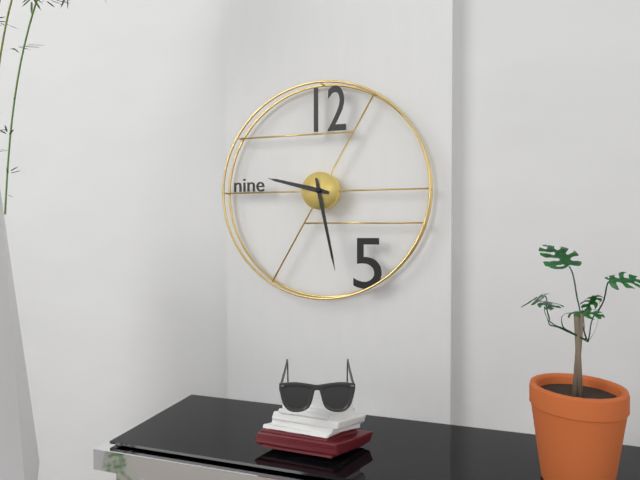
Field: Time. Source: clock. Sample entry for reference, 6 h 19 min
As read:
9 h 28 min
